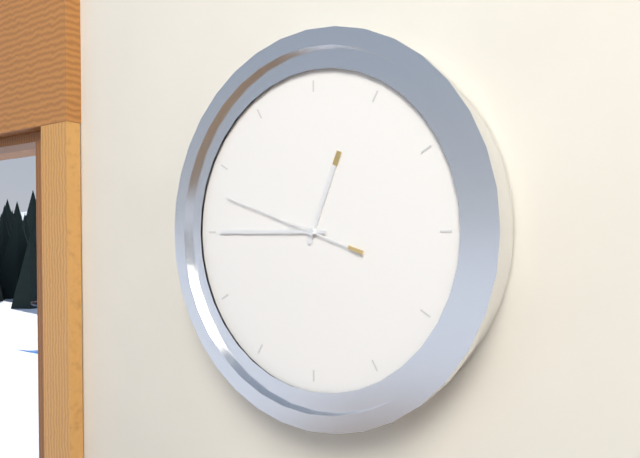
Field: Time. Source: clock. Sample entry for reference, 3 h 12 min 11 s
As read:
12 h 45 min 48 s
